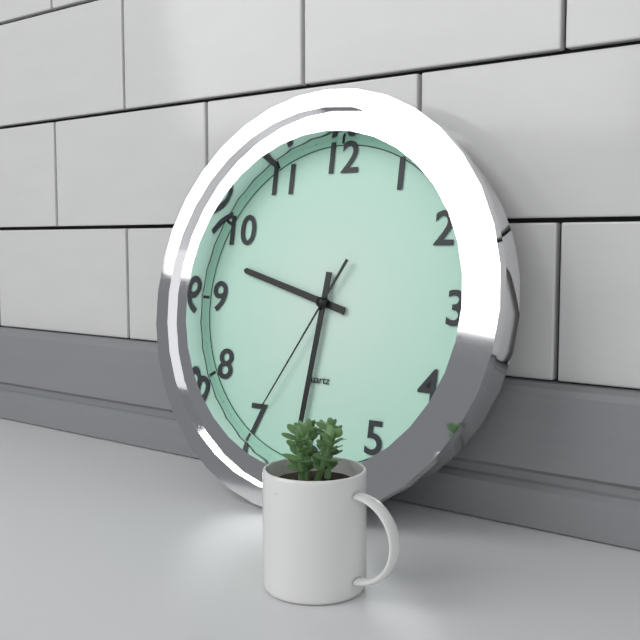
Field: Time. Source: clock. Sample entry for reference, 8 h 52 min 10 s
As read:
9 h 31 min 35 s
